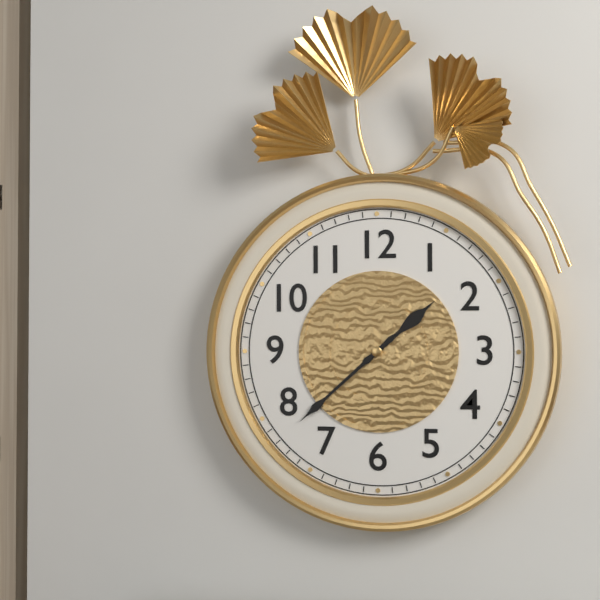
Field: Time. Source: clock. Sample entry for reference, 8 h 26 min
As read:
1 h 38 min
